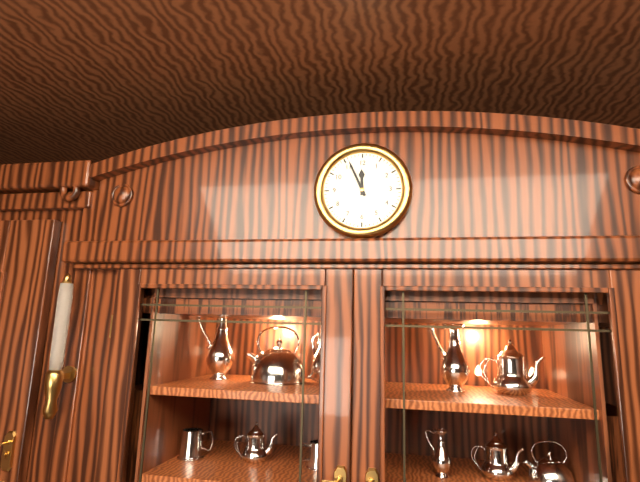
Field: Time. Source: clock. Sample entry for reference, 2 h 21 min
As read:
11 h 56 min
